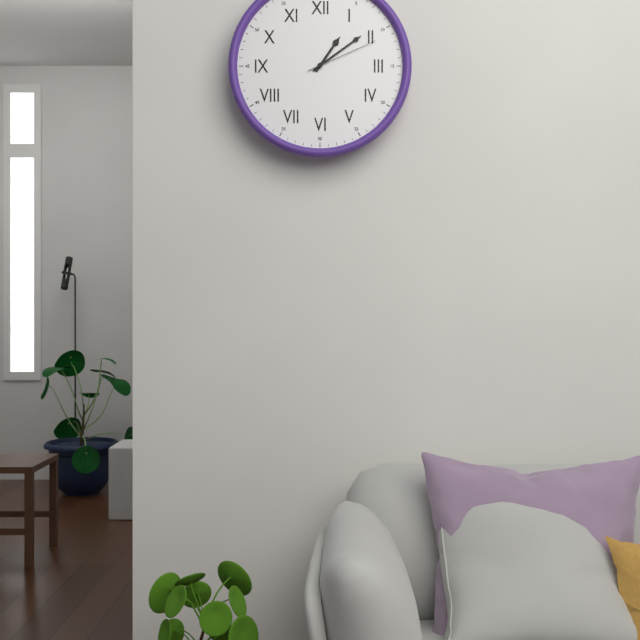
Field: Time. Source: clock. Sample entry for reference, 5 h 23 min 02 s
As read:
1 h 09 min 11 s
